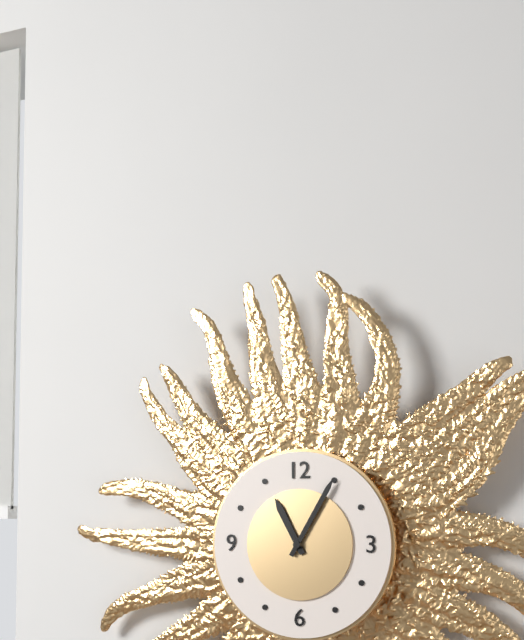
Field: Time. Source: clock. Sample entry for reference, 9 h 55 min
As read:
11 h 05 min
